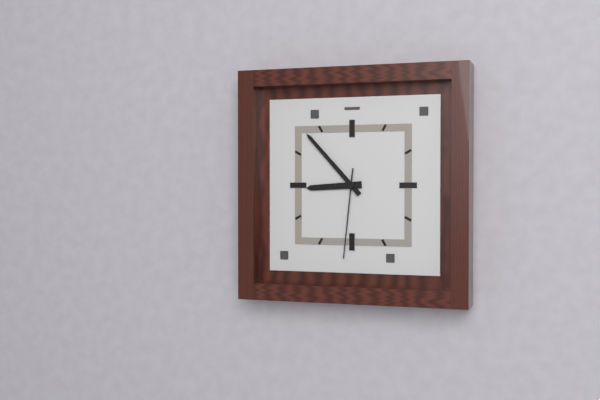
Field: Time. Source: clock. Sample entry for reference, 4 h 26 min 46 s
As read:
8 h 53 min 31 s
